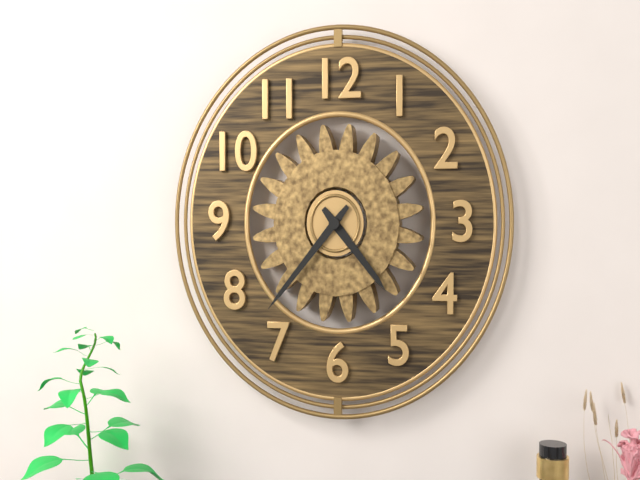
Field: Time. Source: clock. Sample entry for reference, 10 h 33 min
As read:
4 h 37 min
